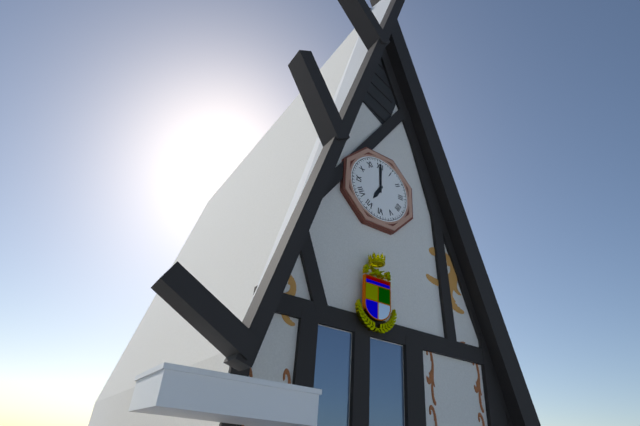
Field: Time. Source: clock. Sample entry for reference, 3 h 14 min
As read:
7 h 00 min
